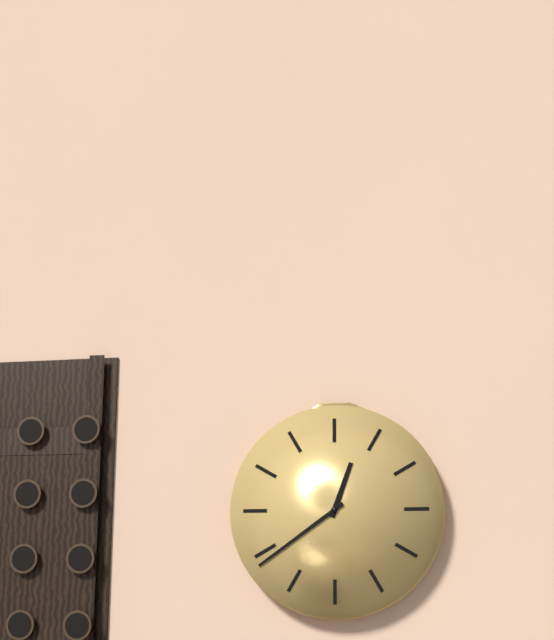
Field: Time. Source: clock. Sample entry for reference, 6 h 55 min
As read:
12 h 39 min
